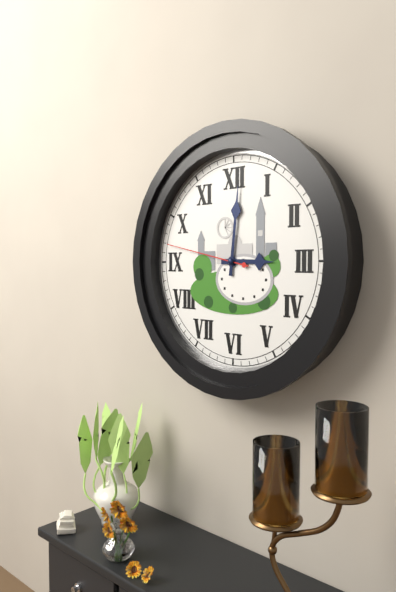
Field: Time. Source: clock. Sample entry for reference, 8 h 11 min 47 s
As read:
3 h 01 min 47 s
